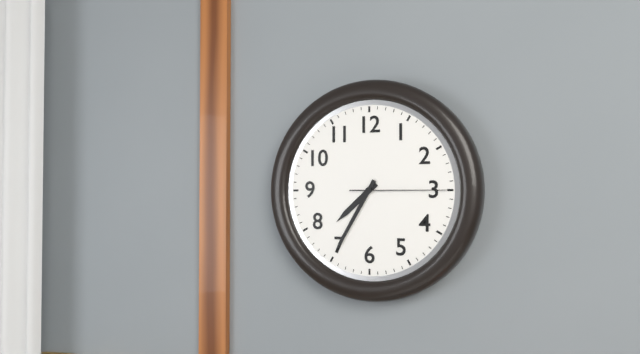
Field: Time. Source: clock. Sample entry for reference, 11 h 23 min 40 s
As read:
7 h 35 min 15 s
